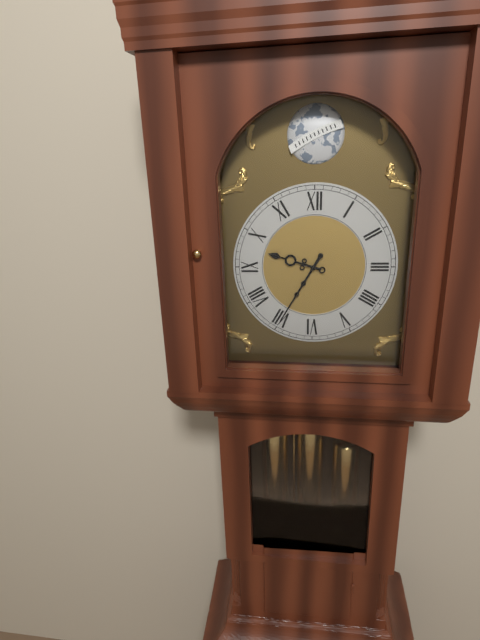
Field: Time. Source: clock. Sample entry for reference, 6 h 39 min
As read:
9 h 35 min
